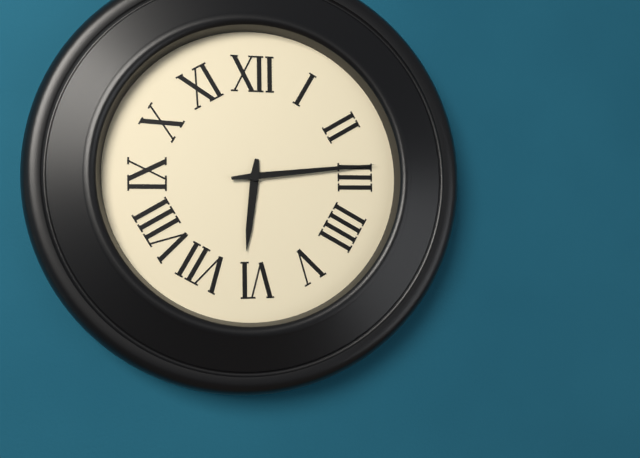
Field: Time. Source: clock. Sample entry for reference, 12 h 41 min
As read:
6 h 14 min
